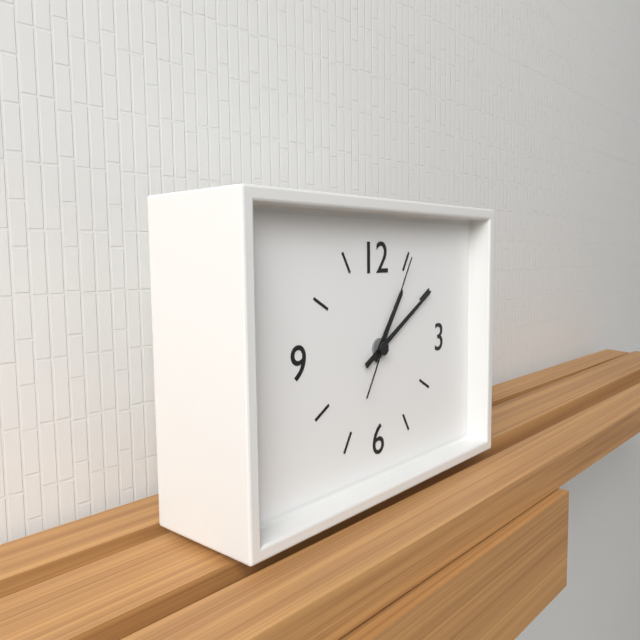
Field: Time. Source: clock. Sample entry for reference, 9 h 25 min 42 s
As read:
1 h 10 min 05 s
